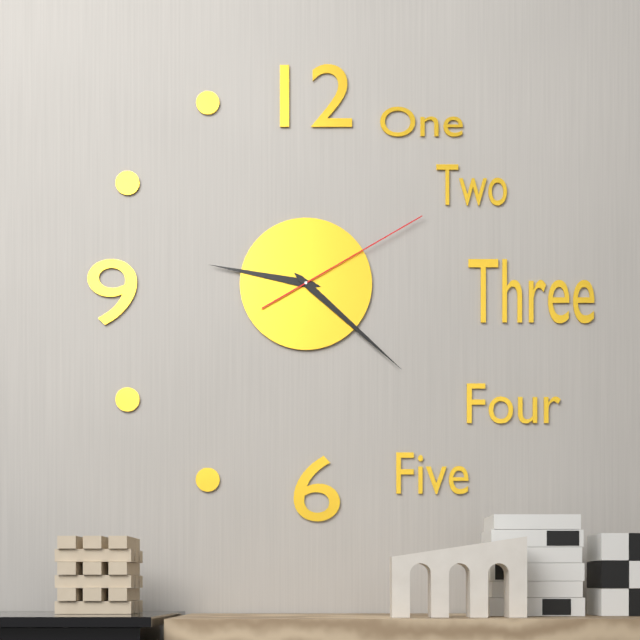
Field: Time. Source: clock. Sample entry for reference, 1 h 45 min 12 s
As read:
9 h 22 min 10 s
